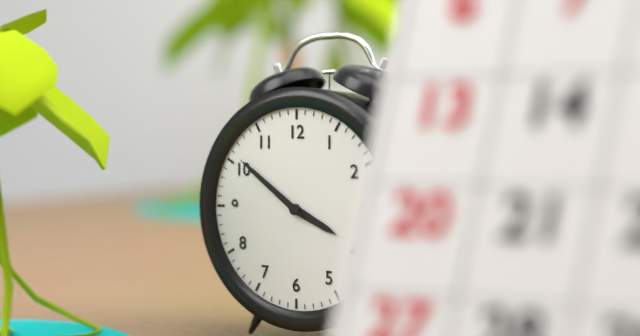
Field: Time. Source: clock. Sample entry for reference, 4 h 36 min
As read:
3 h 51 min
